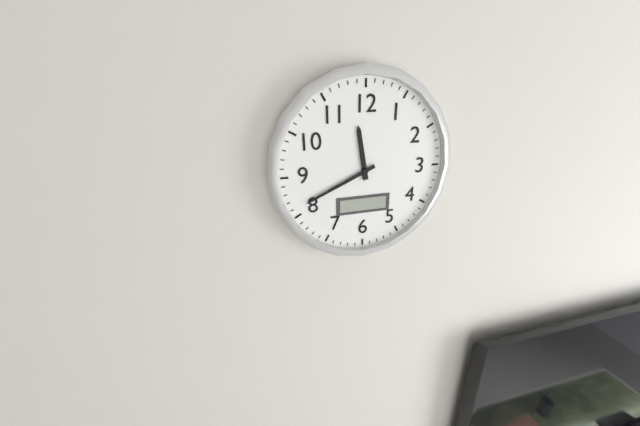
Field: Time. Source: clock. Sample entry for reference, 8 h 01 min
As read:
11 h 41 min
